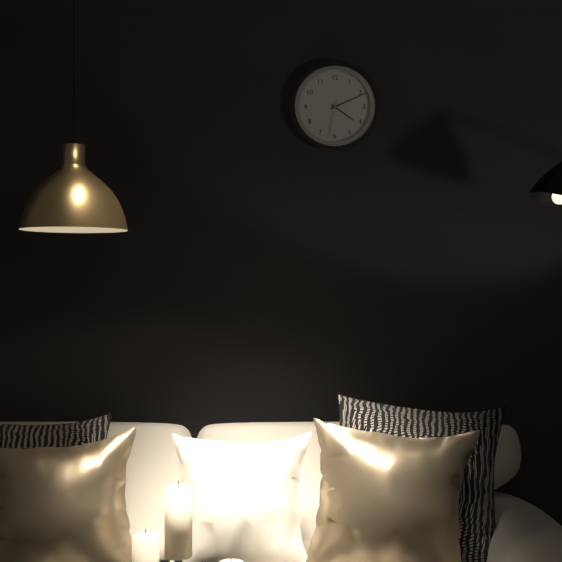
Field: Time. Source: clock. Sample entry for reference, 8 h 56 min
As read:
4 h 11 min
